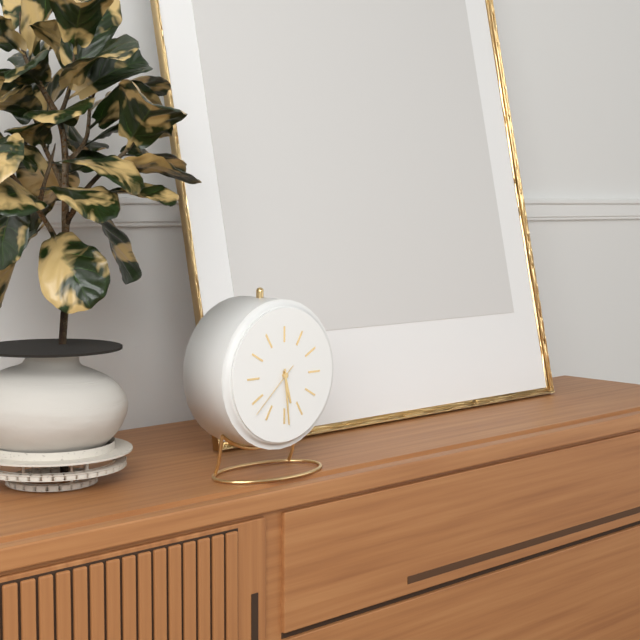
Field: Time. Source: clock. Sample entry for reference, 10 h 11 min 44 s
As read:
5 h 29 min 38 s
